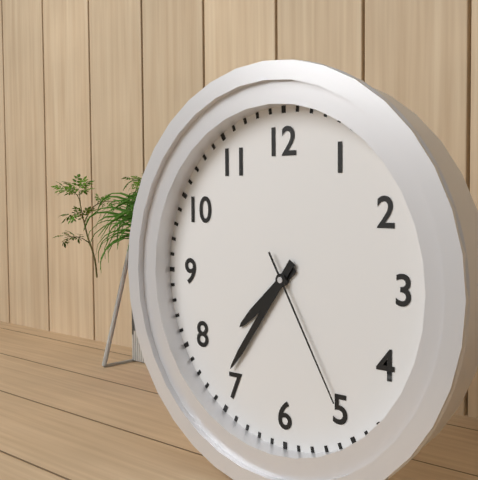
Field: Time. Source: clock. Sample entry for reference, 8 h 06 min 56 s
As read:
7 h 36 min 25 s
